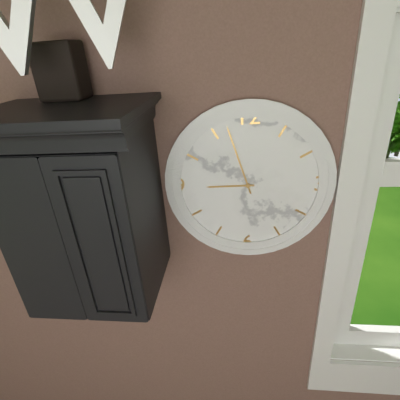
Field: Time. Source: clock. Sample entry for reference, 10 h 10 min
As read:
8 h 57 min
